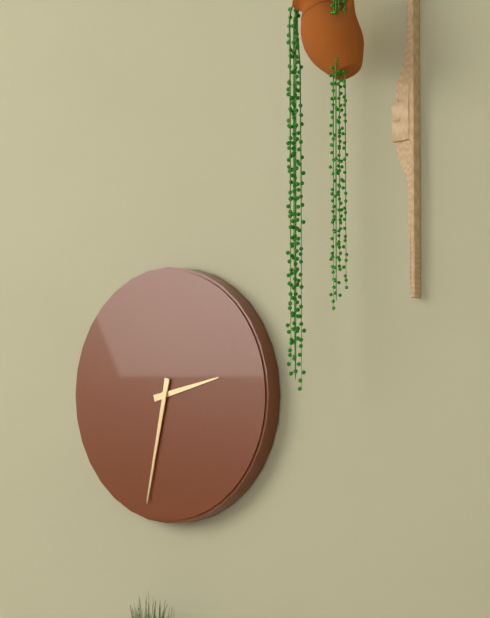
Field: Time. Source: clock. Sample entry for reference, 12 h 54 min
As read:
2 h 32 min
